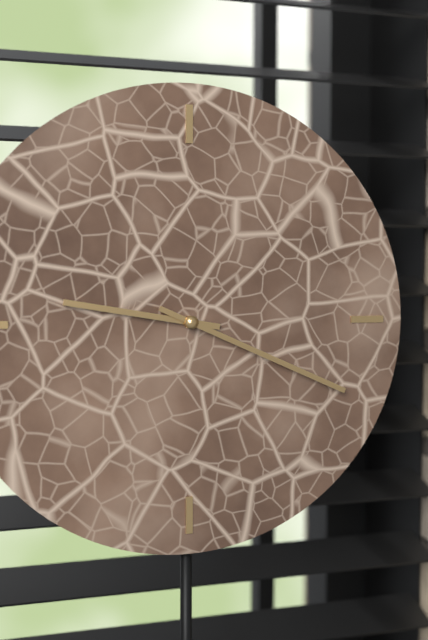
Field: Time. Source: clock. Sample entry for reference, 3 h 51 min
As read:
9 h 19 min
